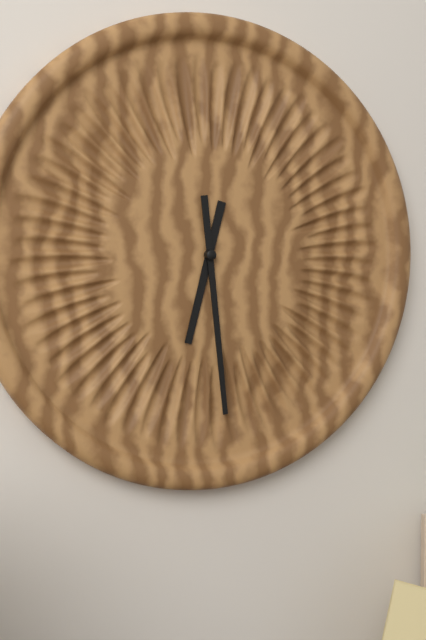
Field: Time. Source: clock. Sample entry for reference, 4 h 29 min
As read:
6 h 29 min
